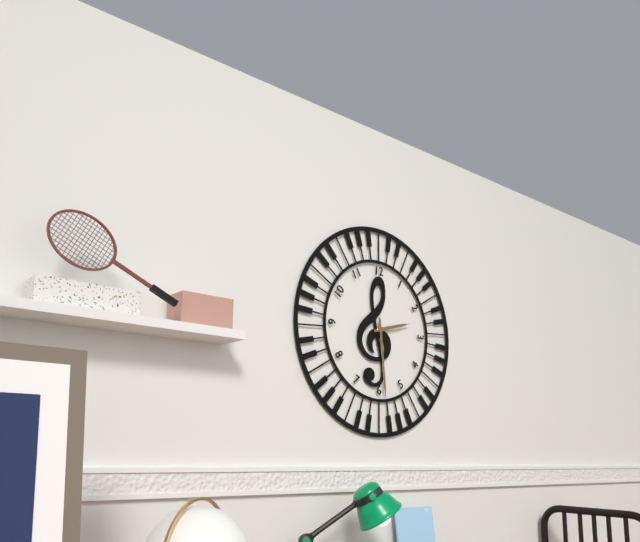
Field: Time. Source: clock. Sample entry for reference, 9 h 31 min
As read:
2 h 29 min
